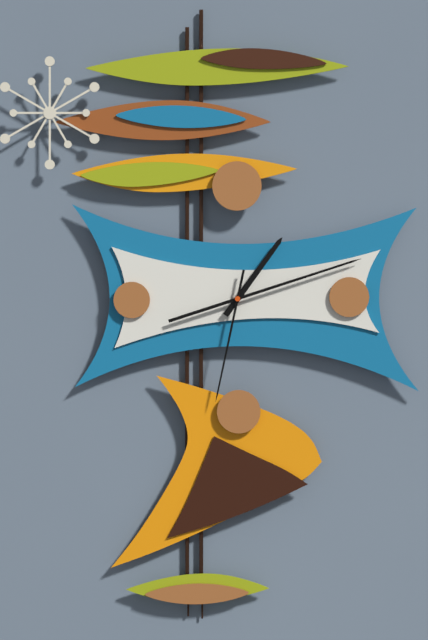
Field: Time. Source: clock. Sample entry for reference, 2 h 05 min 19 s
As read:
1 h 12 min 32 s
